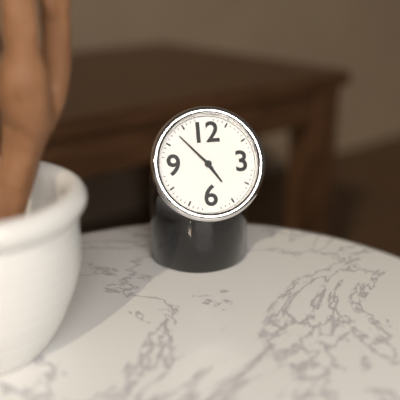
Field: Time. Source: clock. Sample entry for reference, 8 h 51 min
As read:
4 h 53 min
